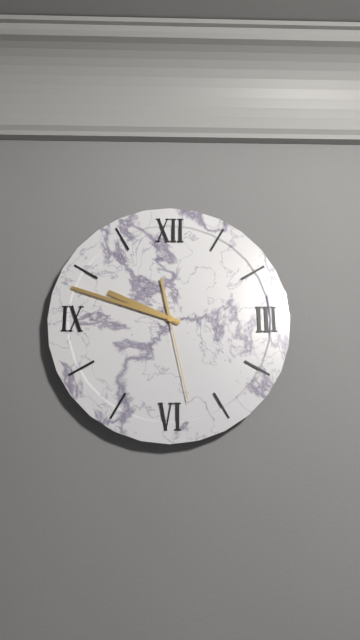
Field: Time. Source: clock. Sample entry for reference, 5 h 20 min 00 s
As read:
9 h 48 min 28 s
